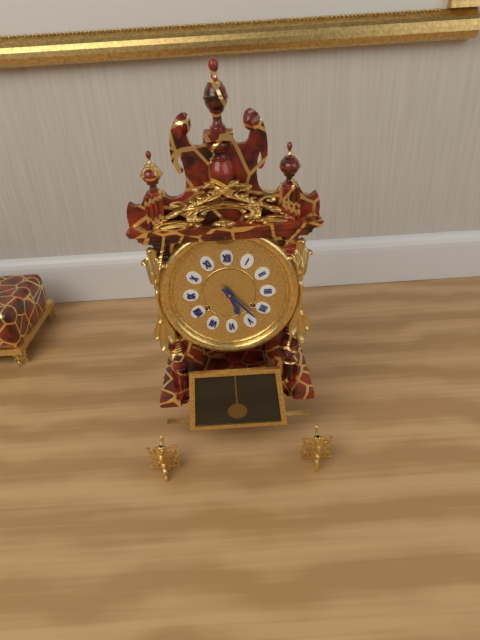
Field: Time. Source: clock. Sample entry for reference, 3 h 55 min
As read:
5 h 23 min
